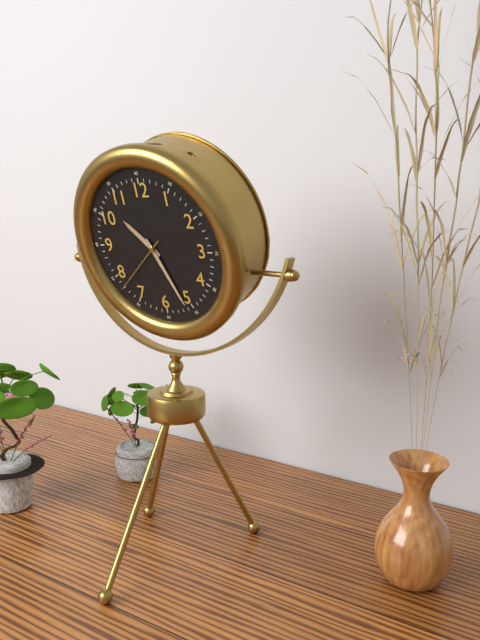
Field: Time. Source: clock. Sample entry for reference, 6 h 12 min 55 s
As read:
10 h 26 min 38 s
